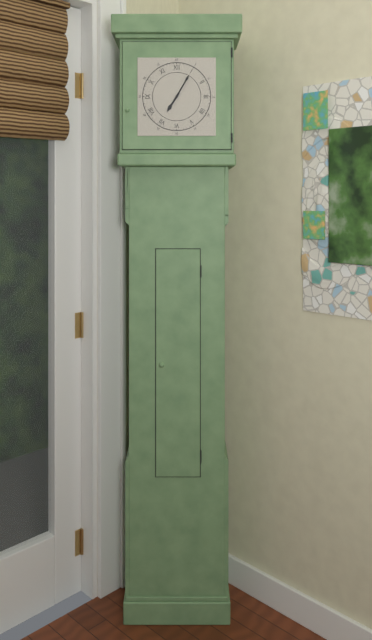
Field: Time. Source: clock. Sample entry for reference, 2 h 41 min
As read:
7 h 05 min
